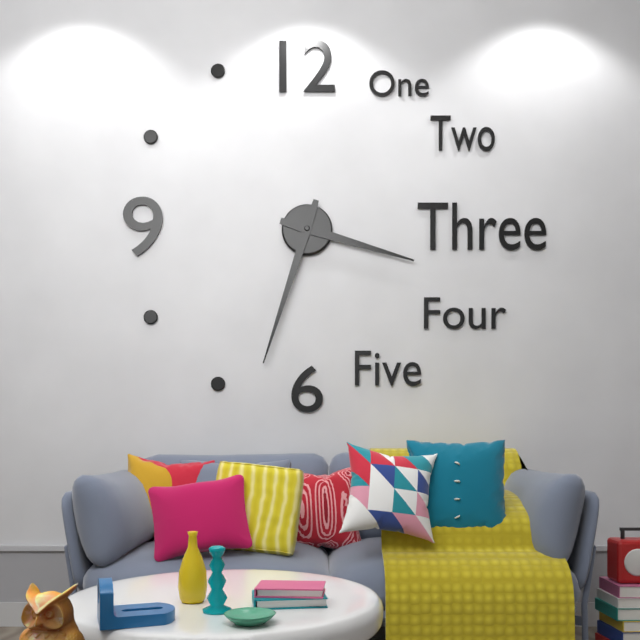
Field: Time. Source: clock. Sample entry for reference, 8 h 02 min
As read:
3 h 33 min
